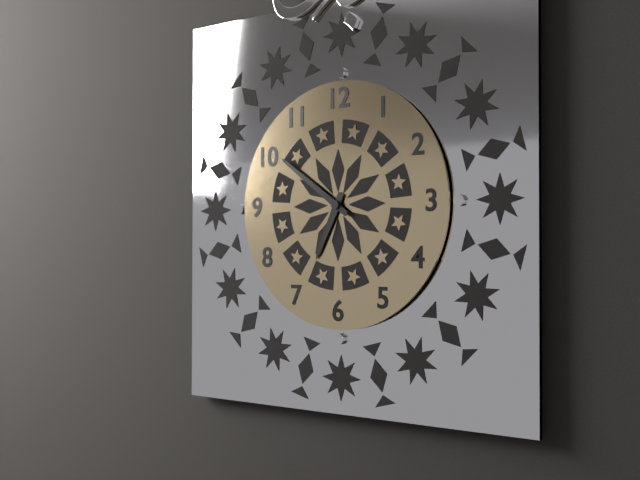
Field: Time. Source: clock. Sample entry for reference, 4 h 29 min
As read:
6 h 51 min
